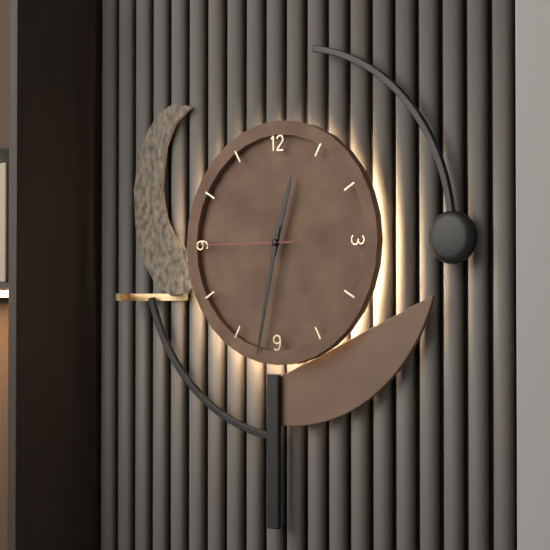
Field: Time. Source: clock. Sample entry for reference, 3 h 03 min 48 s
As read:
12 h 32 min 45 s
